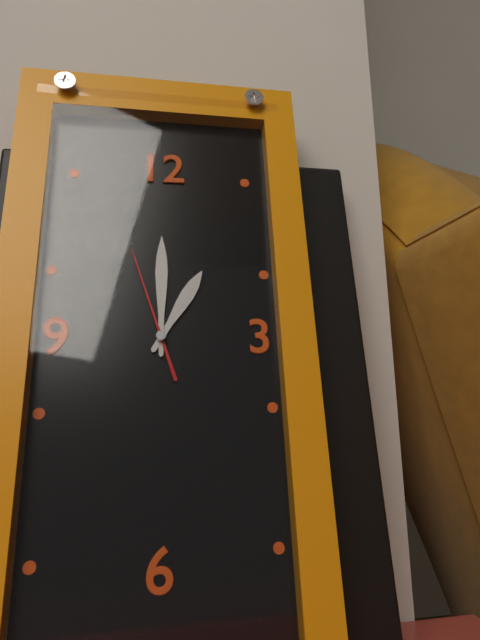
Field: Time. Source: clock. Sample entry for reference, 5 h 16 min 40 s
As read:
1 h 00 min 57 s
